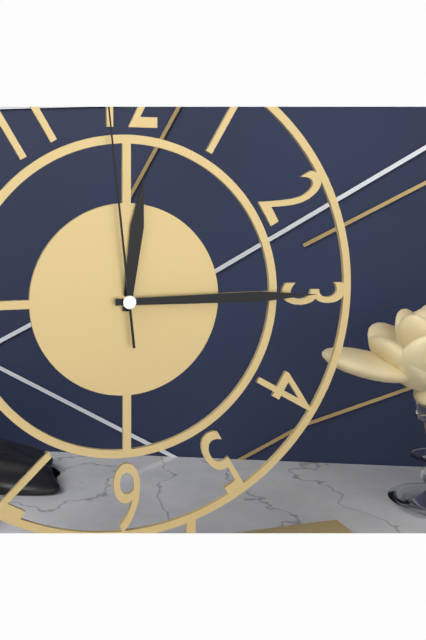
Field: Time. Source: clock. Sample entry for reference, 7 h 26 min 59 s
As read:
12 h 15 min 59 s
